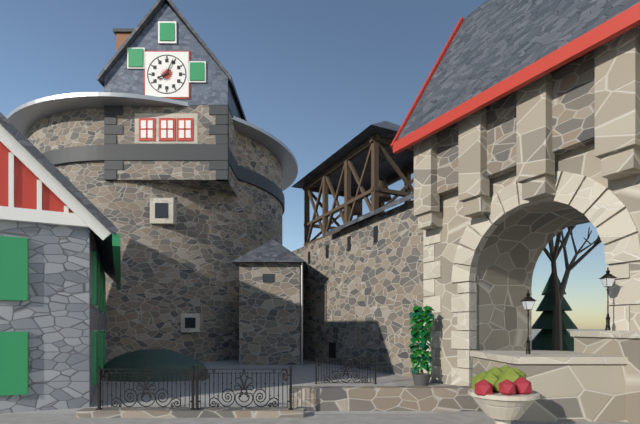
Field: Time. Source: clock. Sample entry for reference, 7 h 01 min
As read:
8 h 04 min
